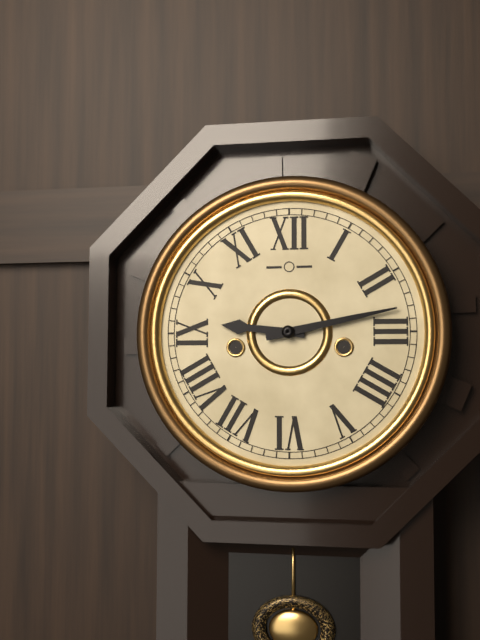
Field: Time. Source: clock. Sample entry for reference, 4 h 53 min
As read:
9 h 13 min
